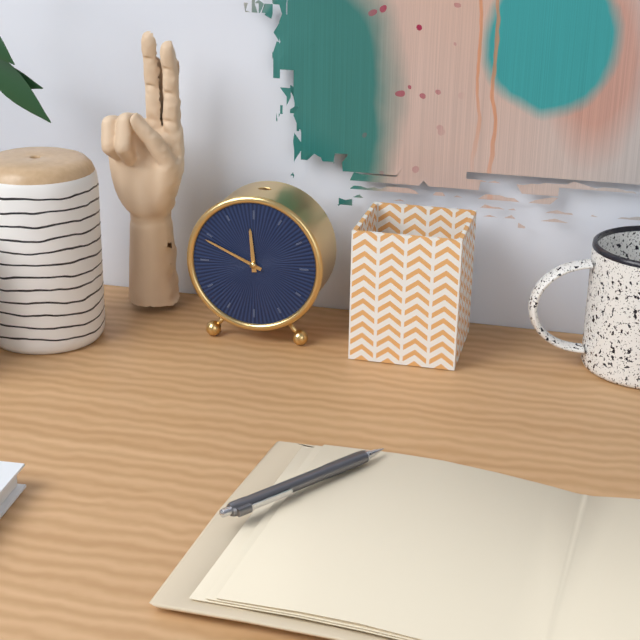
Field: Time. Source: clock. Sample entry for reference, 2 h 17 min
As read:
11 h 49 min
